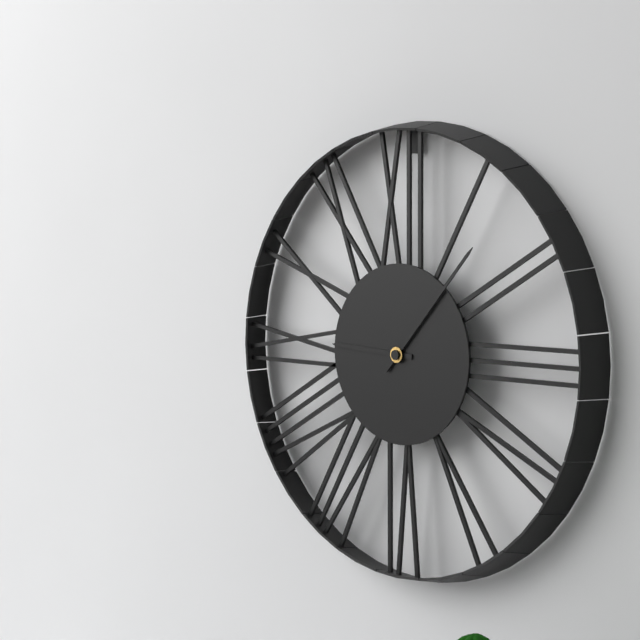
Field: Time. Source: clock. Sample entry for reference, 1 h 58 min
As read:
9 h 07 min
